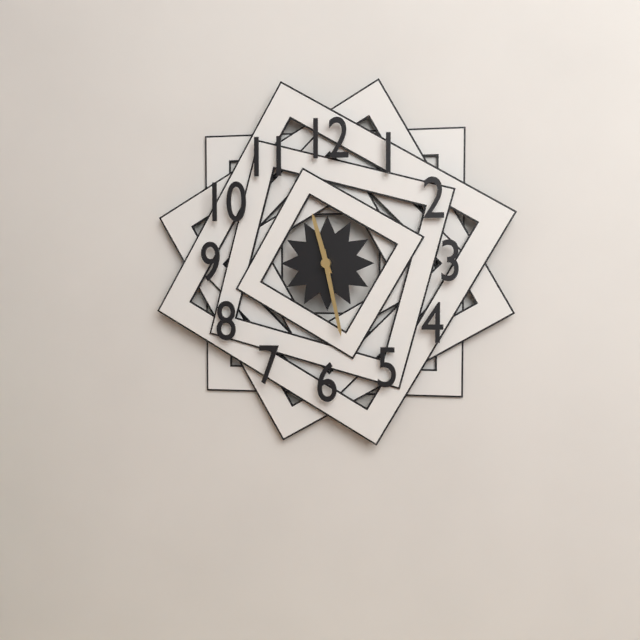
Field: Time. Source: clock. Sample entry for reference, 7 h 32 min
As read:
11 h 28 min
